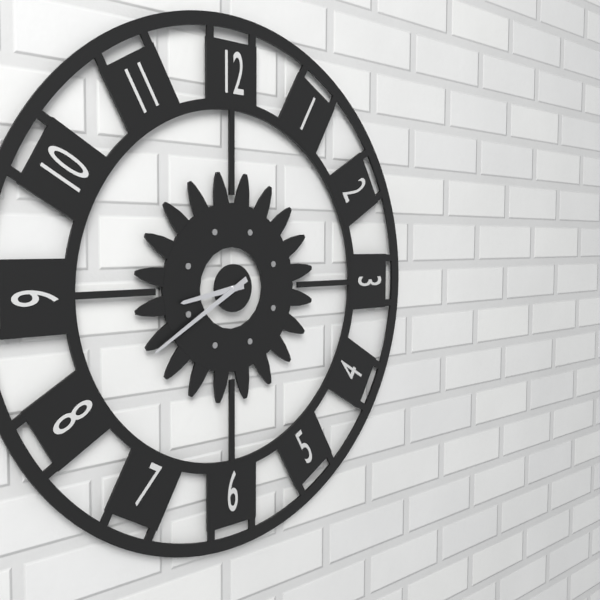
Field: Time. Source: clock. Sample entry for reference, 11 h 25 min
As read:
8 h 40 min
